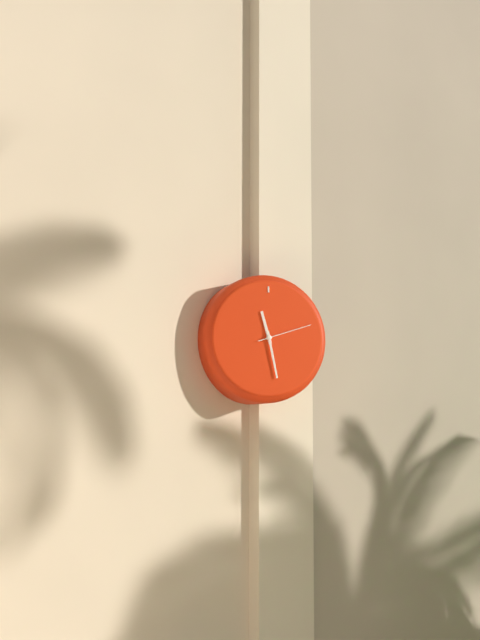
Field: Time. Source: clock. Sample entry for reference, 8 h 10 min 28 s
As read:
11 h 28 min 12 s
